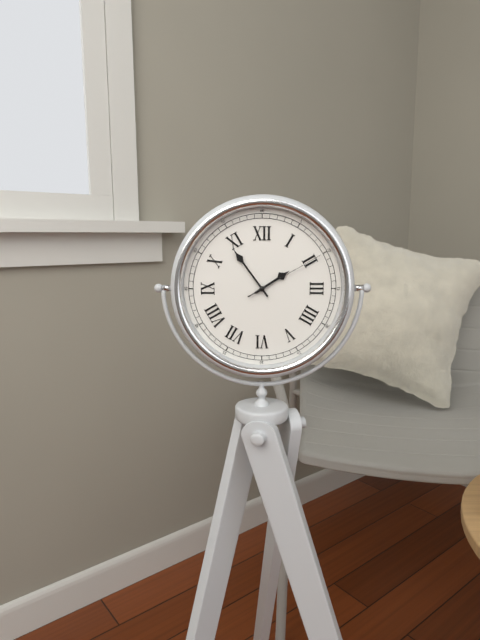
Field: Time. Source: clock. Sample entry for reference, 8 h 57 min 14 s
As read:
1 h 54 min 10 s
